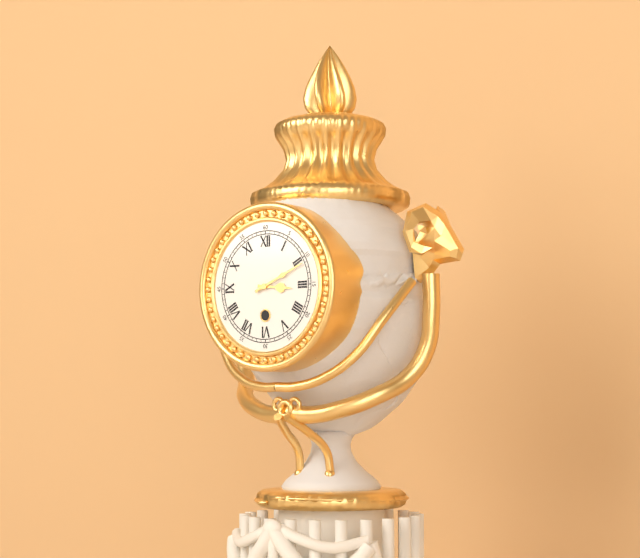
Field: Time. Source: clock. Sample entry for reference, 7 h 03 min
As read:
3 h 11 min
